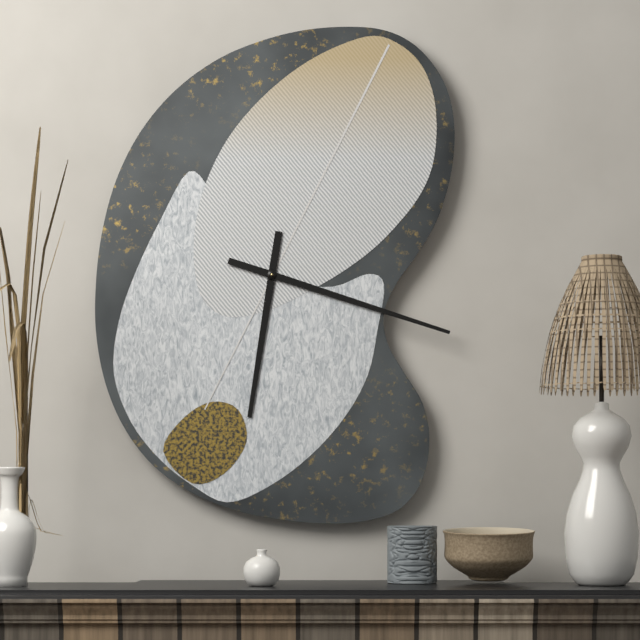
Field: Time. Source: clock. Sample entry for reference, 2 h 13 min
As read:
6 h 18 min
